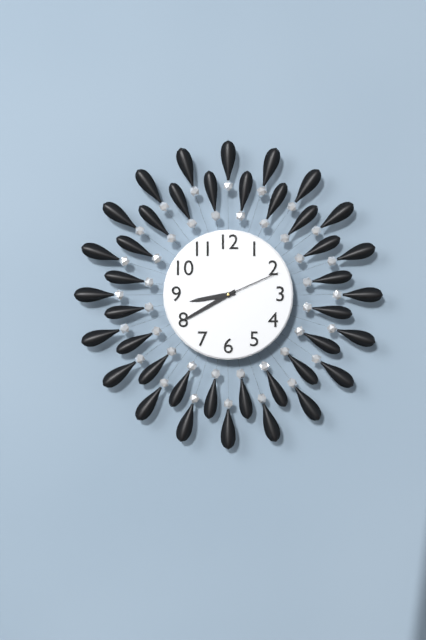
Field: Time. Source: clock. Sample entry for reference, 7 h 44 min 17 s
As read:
8 h 40 min 11 s
